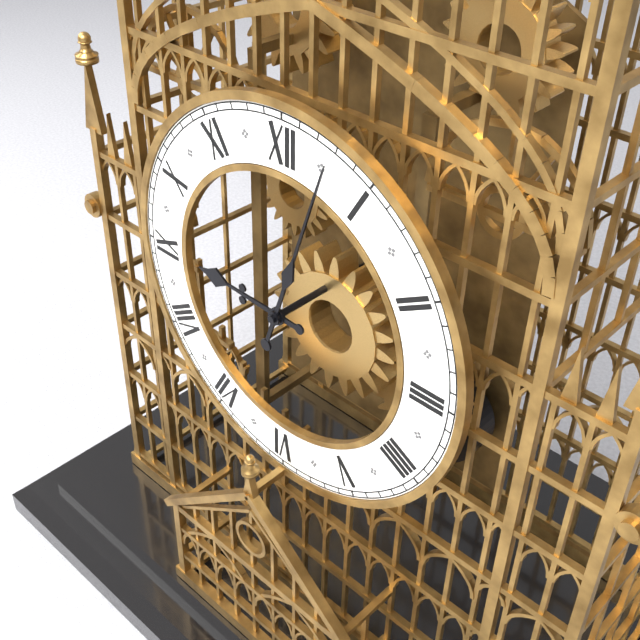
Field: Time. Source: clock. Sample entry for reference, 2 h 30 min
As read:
9 h 03 min
